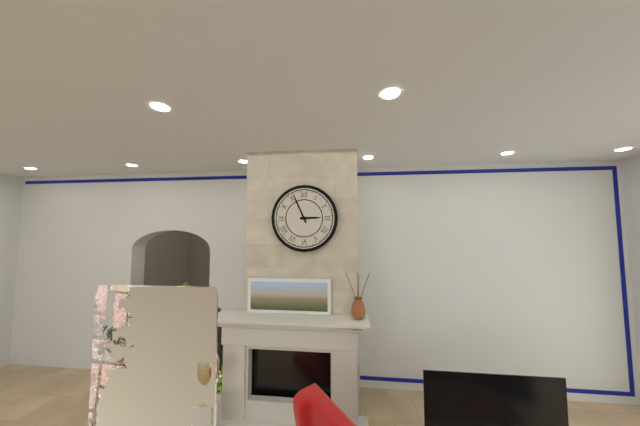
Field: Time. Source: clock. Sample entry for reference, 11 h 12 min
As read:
2 h 56 min
